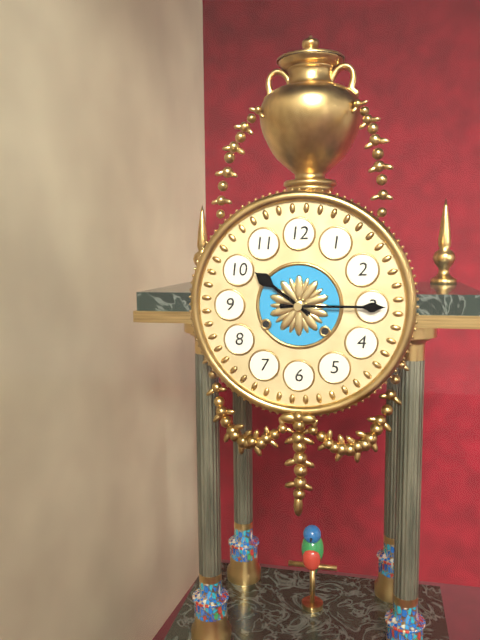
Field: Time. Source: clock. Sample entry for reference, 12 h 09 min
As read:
10 h 15 min
